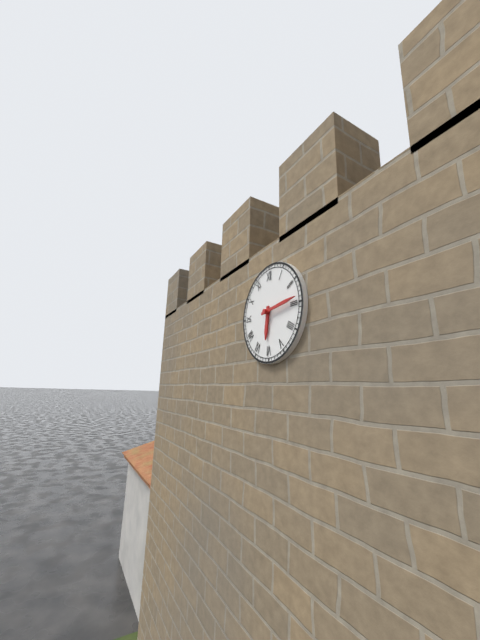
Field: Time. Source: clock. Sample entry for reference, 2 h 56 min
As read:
6 h 14 min
